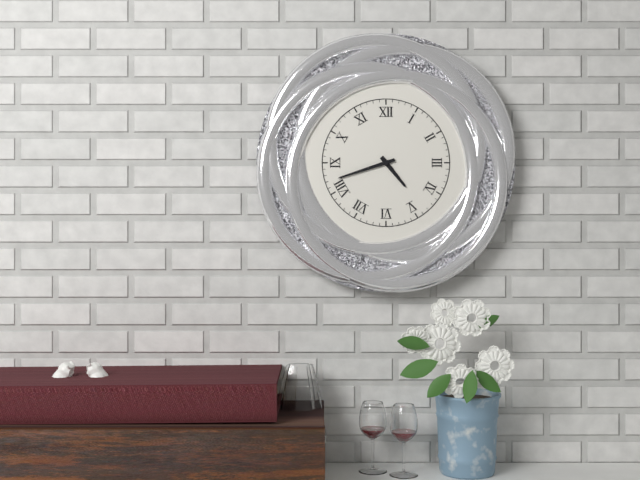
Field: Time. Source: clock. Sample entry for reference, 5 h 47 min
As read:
4 h 42 min
